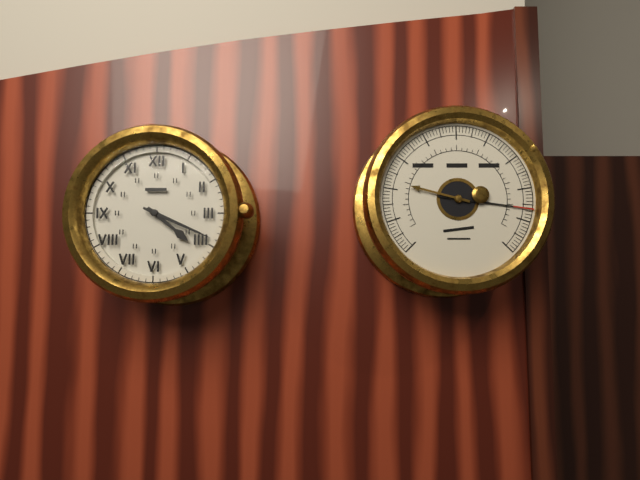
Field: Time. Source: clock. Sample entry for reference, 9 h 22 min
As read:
4 h 19 min
